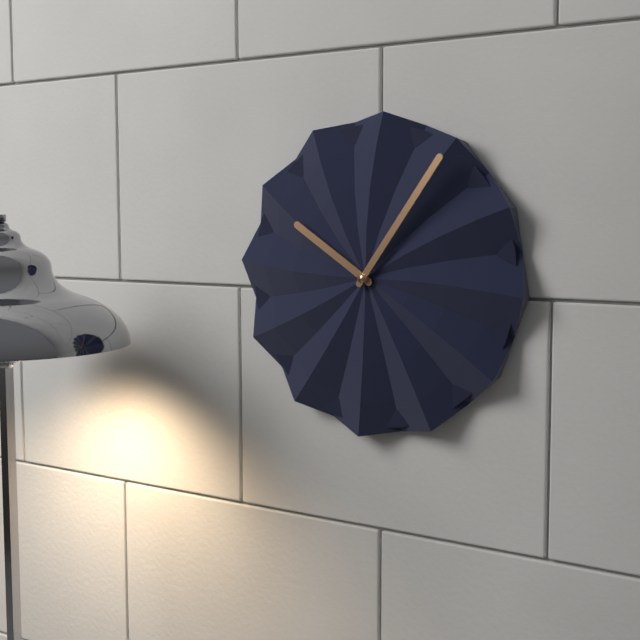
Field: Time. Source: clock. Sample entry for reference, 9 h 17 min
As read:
10 h 06 min
